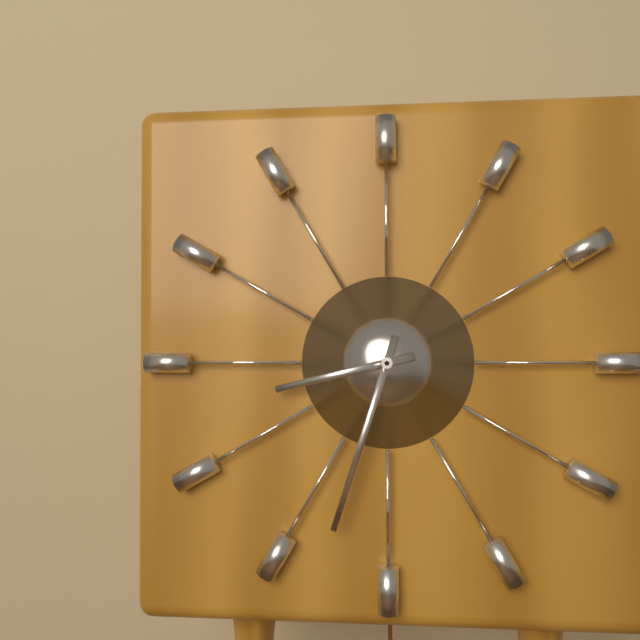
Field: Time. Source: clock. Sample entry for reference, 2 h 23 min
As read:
8 h 33 min
